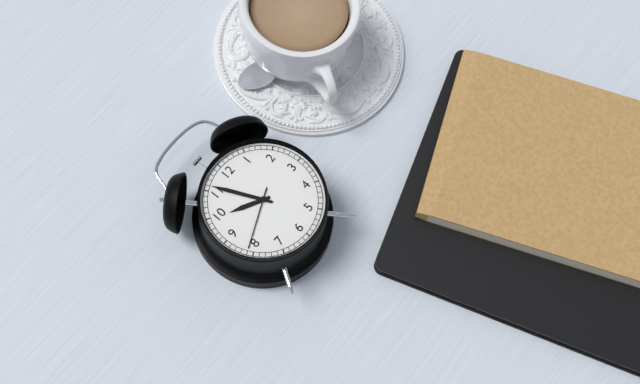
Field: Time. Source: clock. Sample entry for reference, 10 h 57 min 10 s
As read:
9 h 56 min 41 s
